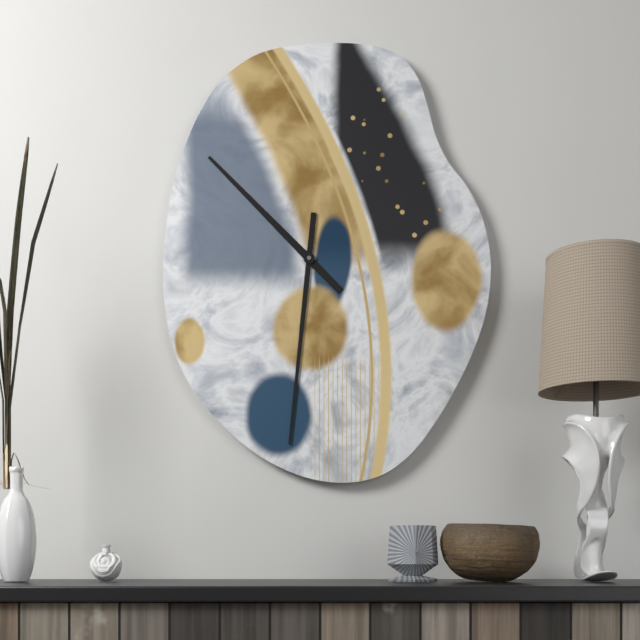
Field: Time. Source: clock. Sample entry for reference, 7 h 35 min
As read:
10 h 31 min
